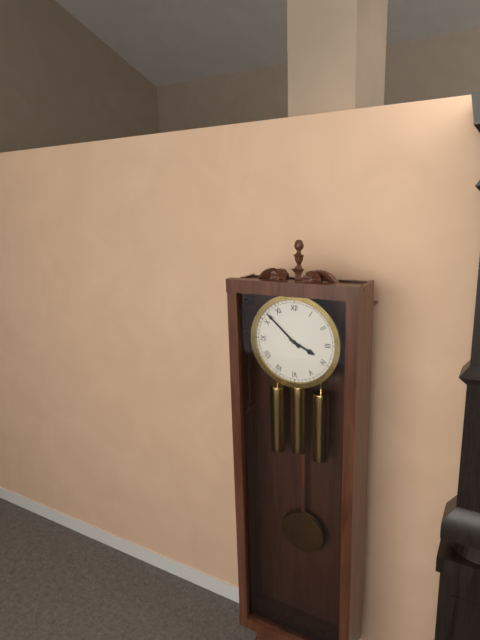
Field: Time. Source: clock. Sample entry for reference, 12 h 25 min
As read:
3 h 52 min
